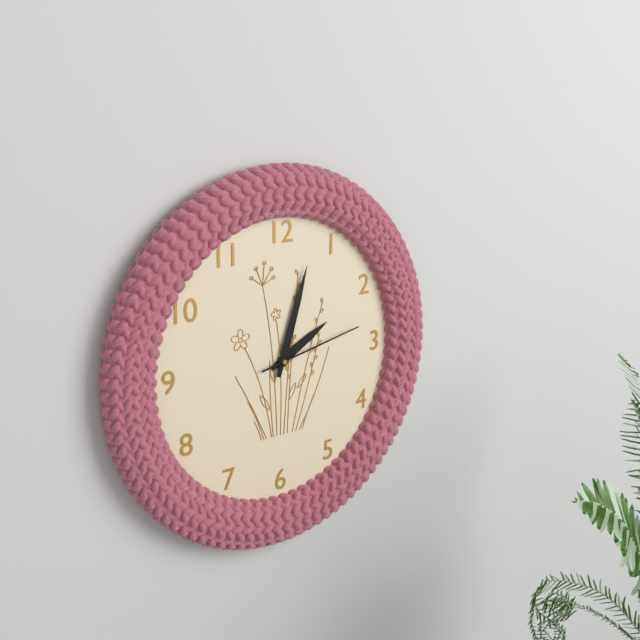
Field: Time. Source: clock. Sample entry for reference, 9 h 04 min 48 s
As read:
2 h 03 min 13 s
